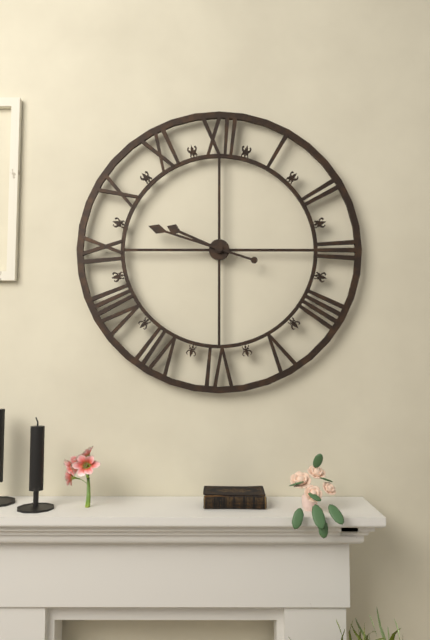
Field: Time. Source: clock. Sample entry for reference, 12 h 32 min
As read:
9 h 48 min
